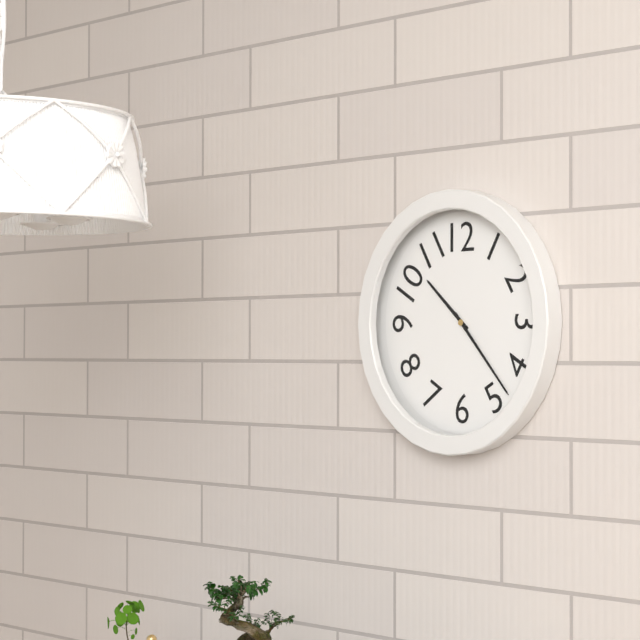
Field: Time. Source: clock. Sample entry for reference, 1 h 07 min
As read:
10 h 23 min
